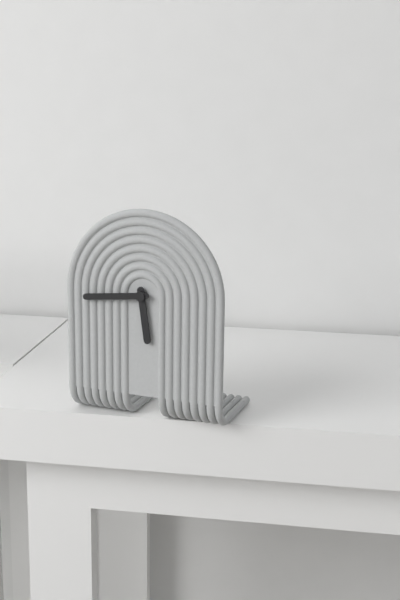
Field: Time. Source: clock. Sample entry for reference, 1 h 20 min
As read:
5 h 44 min
